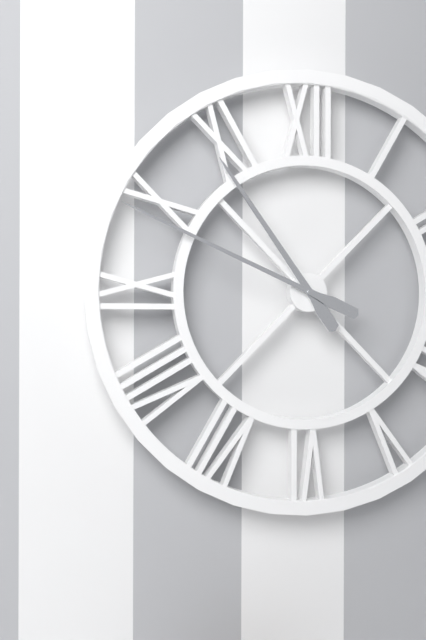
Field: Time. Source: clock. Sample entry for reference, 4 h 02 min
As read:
10 h 49 min
